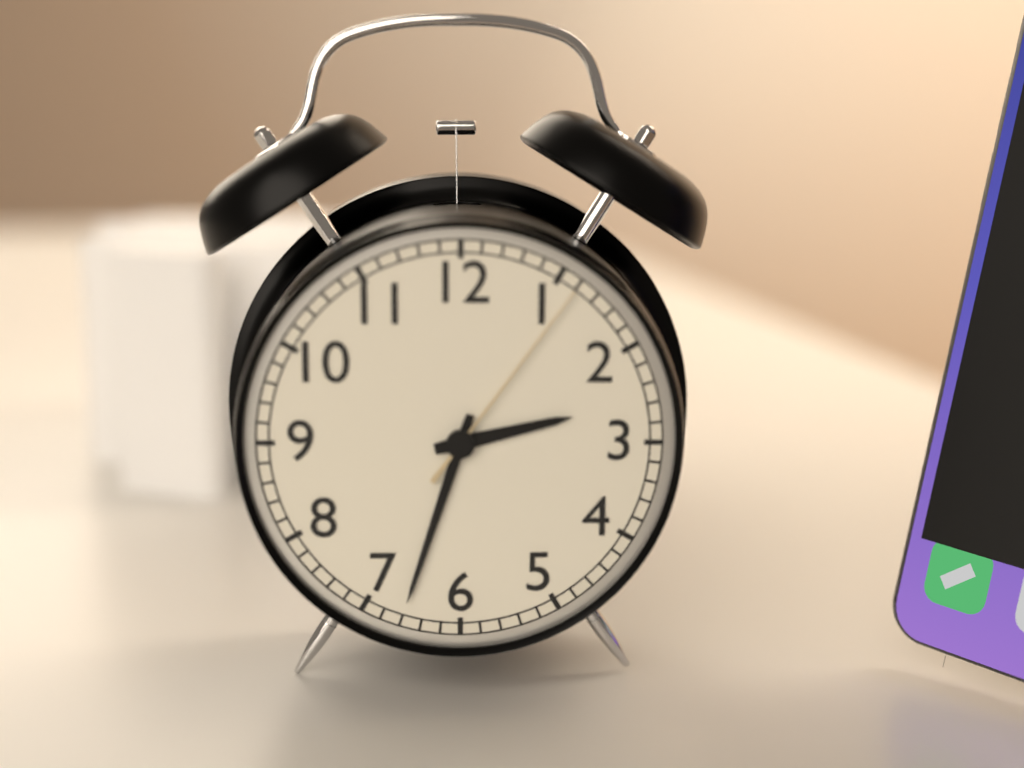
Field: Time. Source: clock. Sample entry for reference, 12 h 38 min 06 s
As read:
2 h 33 min 06 s
